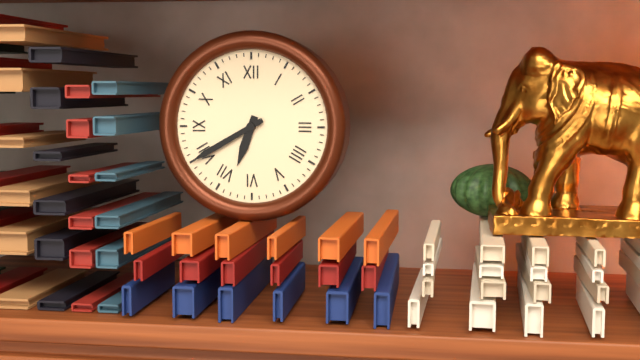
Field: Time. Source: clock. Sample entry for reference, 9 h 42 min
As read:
6 h 40 min
